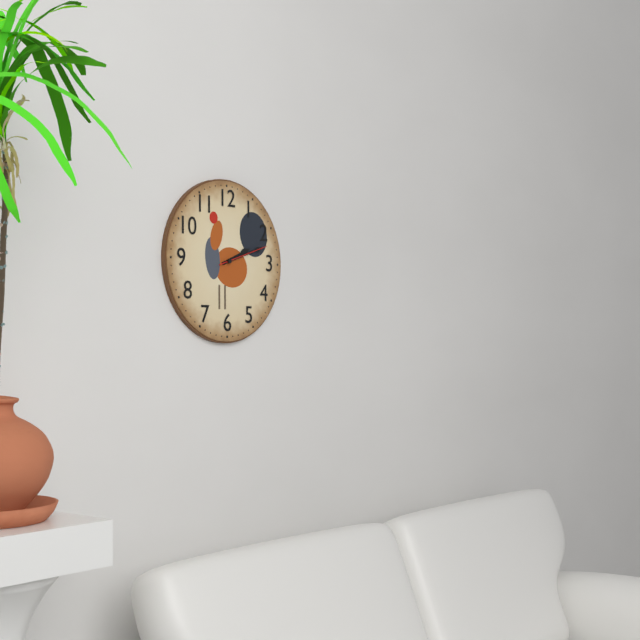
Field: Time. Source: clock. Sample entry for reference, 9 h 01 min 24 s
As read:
2 h 12 min 12 s
